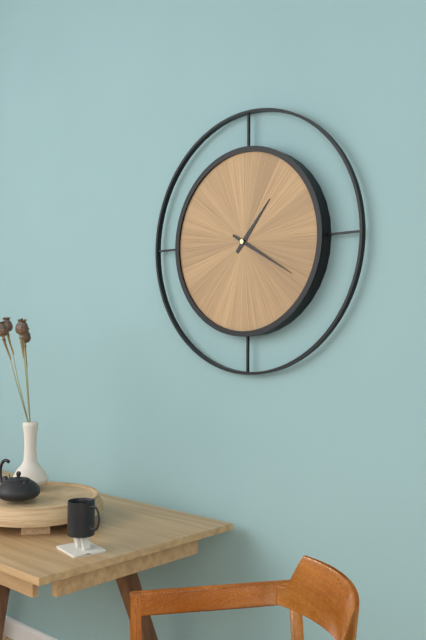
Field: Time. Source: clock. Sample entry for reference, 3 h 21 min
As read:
1 h 20 min
